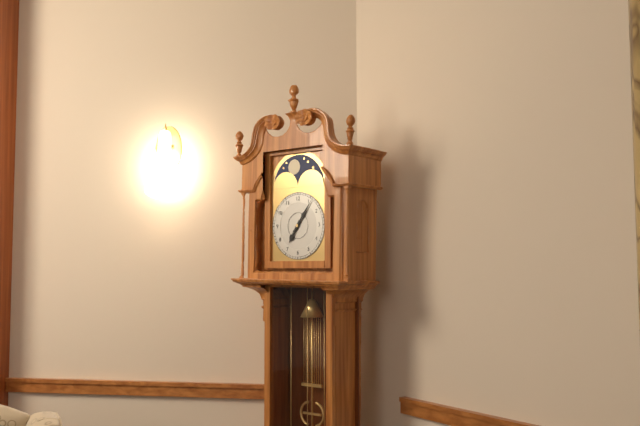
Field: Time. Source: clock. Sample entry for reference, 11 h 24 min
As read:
7 h 06 min
